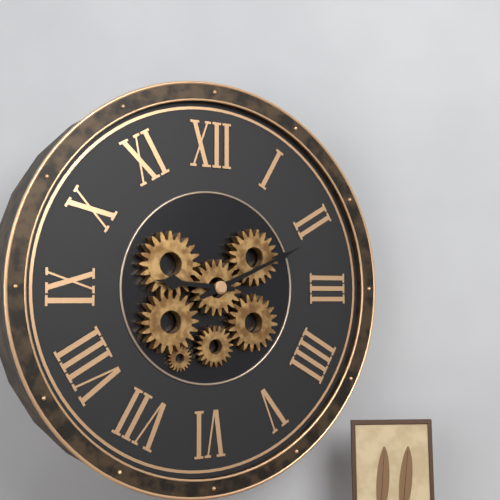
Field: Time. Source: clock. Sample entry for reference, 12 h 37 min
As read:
9 h 11 min
